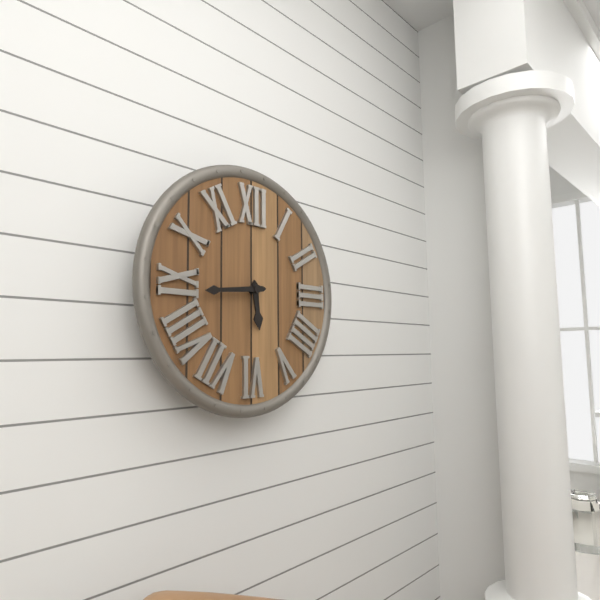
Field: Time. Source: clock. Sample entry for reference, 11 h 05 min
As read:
5 h 44 min
